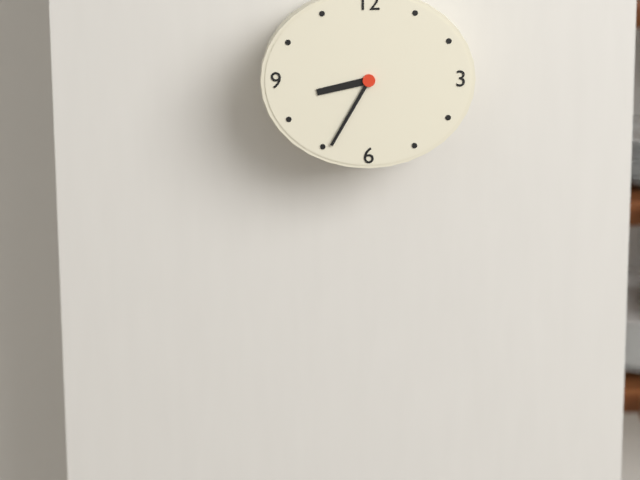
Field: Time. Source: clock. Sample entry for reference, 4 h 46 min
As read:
8 h 35 min
